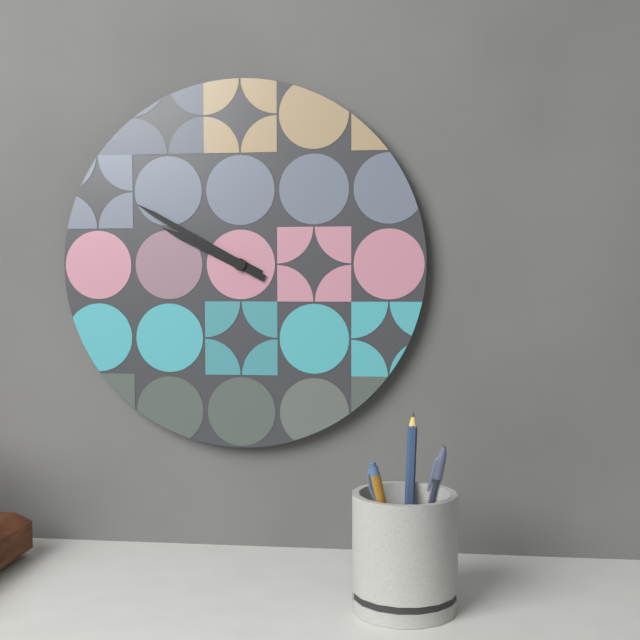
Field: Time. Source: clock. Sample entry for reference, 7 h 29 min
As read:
9 h 50 min
